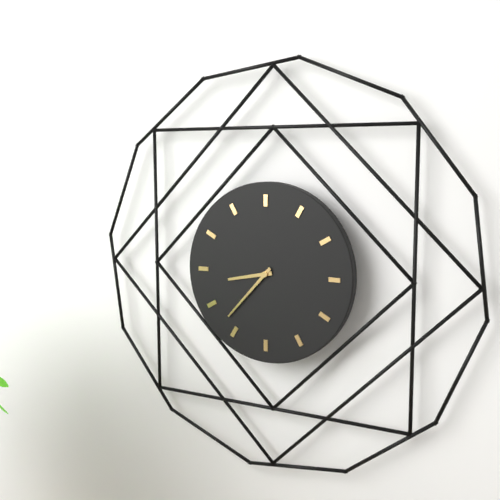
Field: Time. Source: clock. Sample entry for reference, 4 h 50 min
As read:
8 h 37 min
